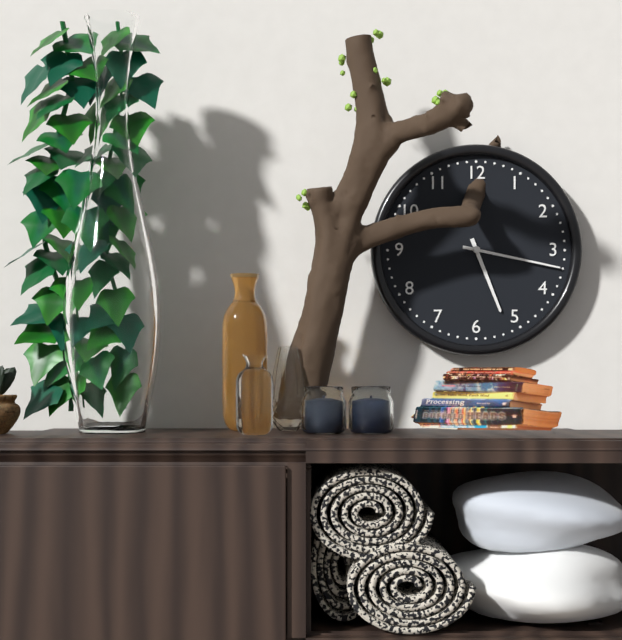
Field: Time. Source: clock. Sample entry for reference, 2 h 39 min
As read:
5 h 17 min
